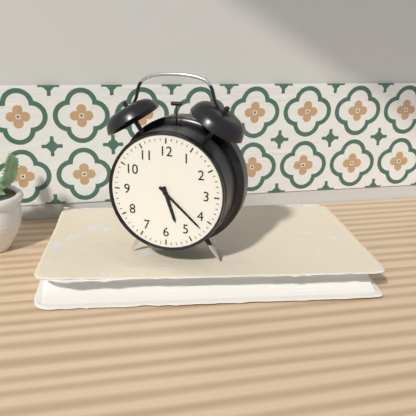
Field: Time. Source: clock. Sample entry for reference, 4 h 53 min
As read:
5 h 22 min
